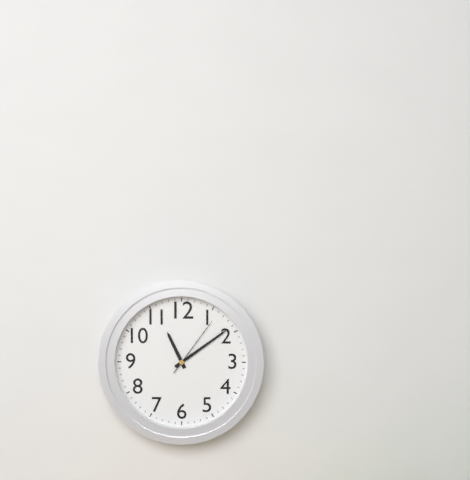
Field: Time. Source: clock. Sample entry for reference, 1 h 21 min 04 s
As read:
11 h 09 min 06 s
